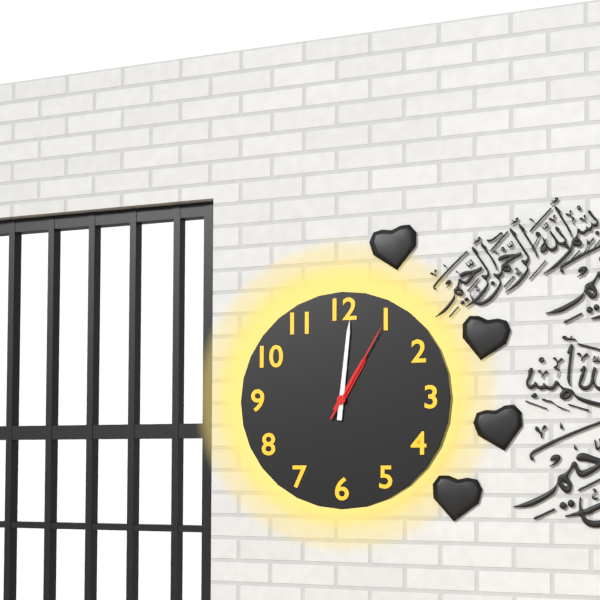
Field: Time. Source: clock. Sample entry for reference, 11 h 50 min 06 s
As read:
1 h 01 min 05 s
